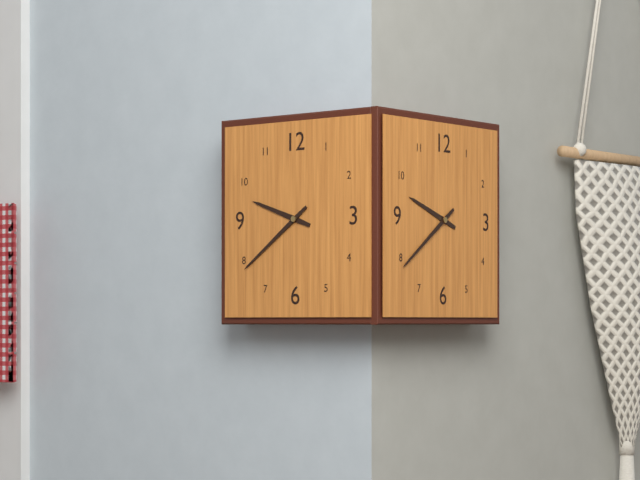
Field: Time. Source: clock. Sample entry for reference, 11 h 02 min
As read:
9 h 39 min
